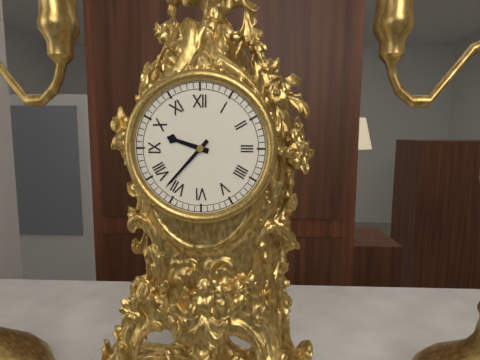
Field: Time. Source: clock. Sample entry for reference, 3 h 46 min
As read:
9 h 37 min
